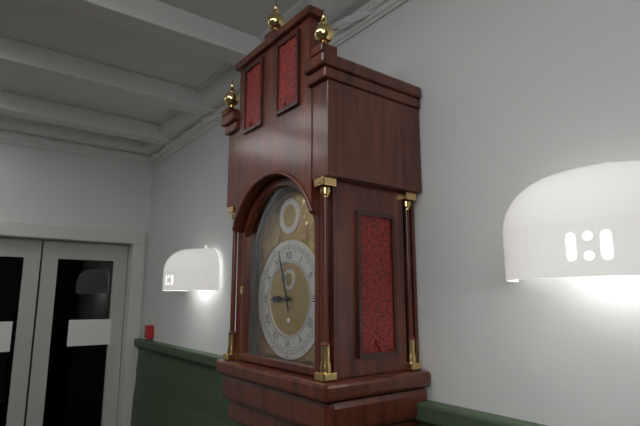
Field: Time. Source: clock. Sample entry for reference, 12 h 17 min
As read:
8 h 57 min
